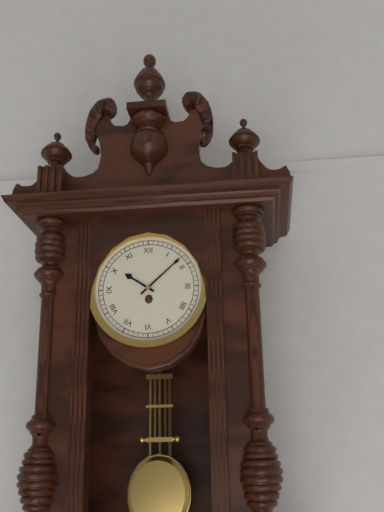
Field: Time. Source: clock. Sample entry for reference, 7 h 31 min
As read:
10 h 08 min
